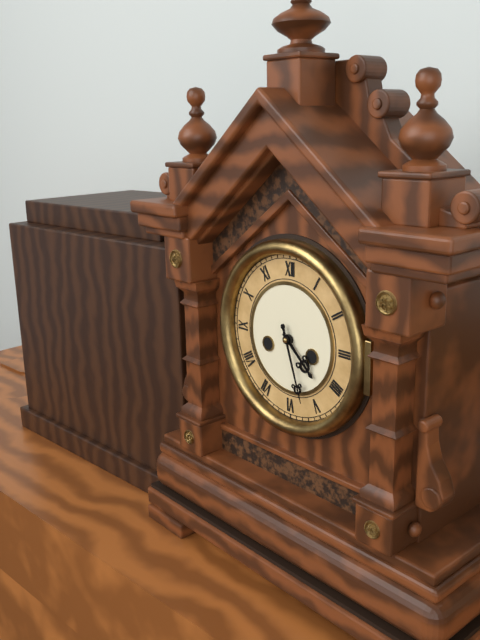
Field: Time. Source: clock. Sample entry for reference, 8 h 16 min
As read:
4 h 27 min
